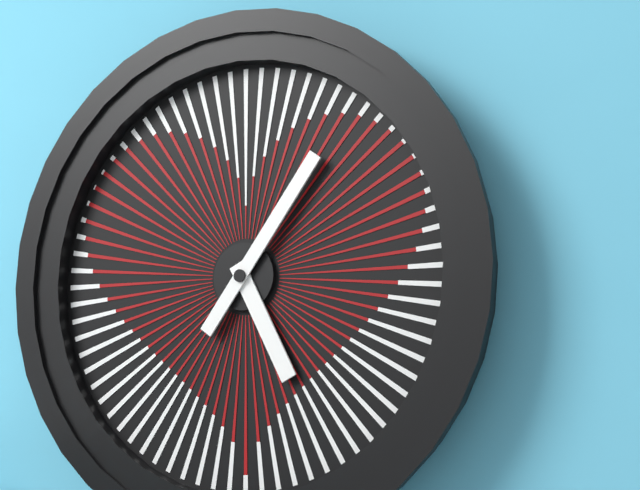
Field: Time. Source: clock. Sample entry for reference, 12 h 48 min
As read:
5 h 06 min
